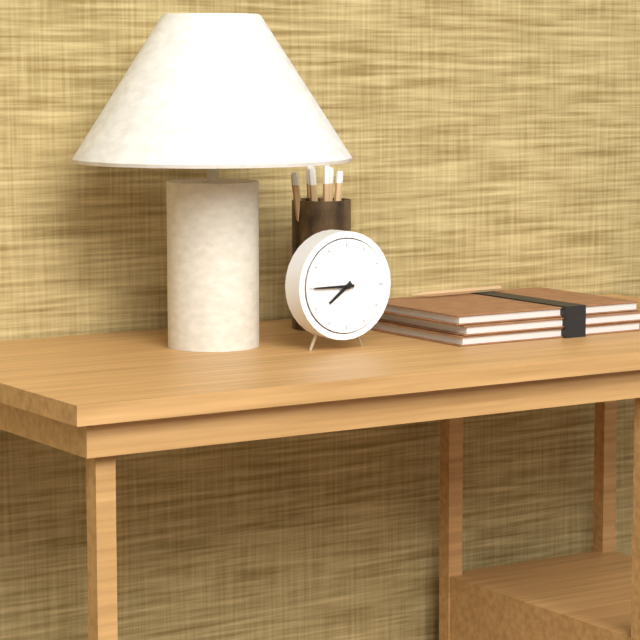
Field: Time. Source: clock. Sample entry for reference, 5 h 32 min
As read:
7 h 45 min
